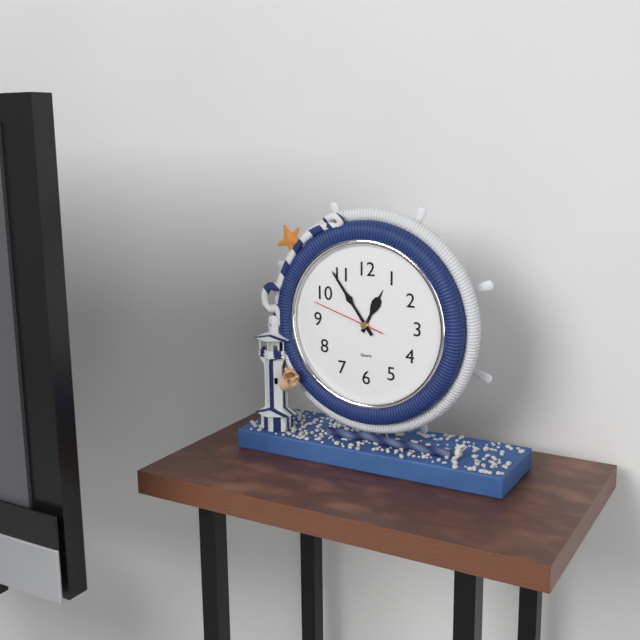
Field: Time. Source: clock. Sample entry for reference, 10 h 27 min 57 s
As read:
12 h 54 min 48 s
